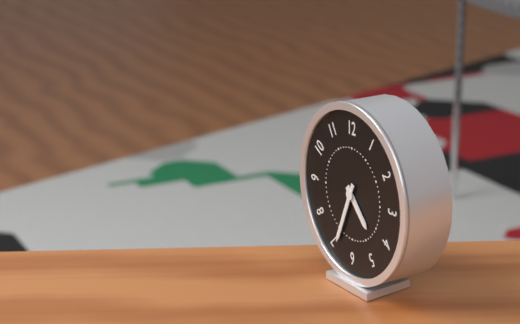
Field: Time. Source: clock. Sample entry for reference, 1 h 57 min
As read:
4 h 34 min
